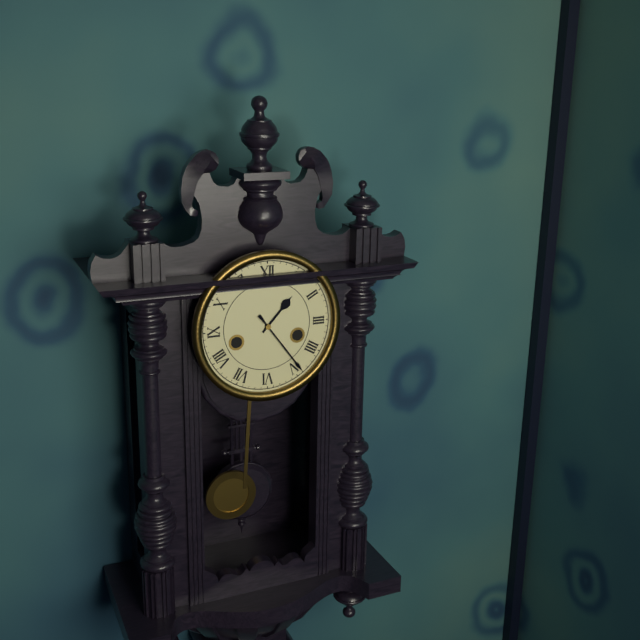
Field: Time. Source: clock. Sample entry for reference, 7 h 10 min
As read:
1 h 24 min
